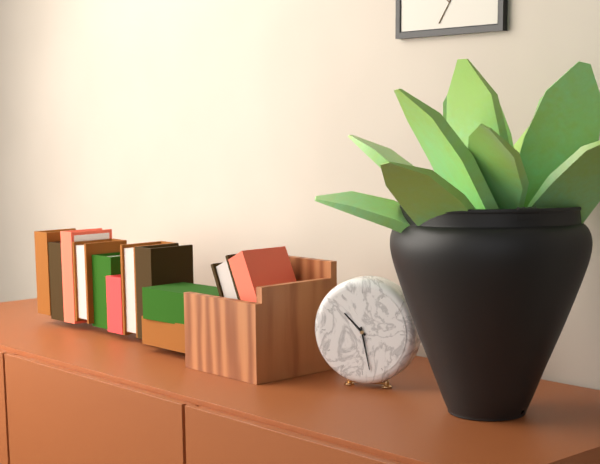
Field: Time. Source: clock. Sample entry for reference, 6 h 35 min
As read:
10 h 28 min
